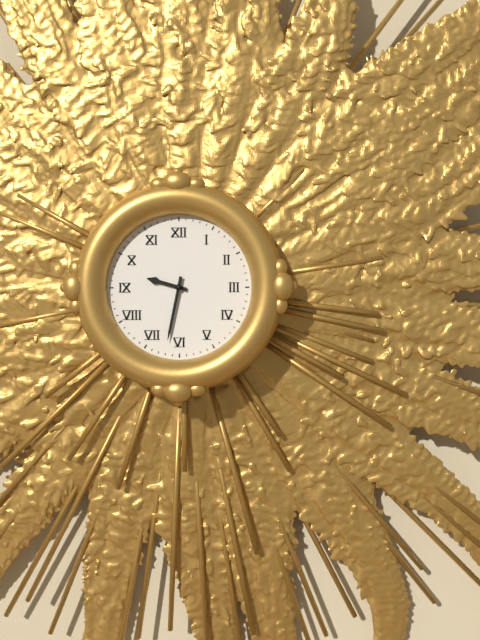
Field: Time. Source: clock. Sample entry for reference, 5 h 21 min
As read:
9 h 32 min
